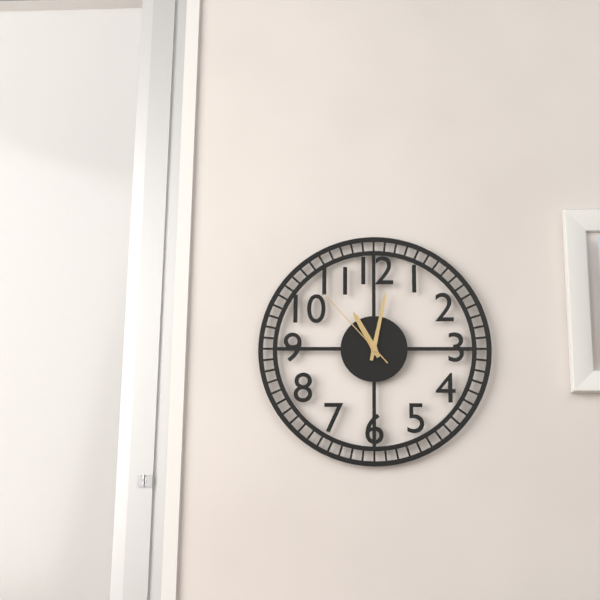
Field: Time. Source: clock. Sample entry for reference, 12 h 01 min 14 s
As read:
11 h 02 min 53 s
